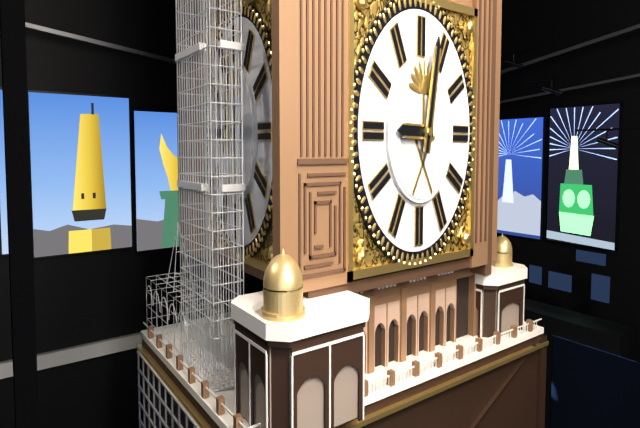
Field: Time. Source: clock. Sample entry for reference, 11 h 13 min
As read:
9 h 02 min
